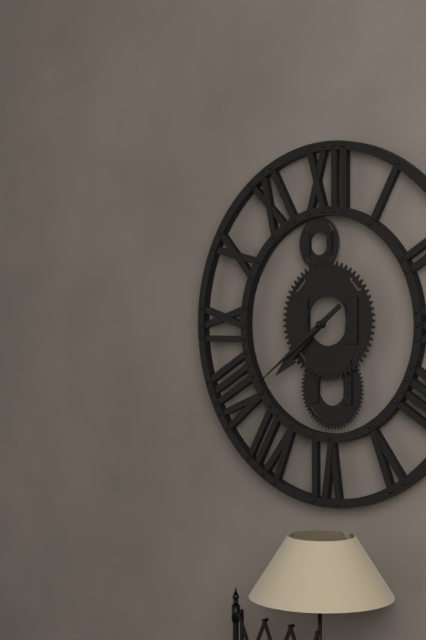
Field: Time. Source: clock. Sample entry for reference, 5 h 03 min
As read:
7 h 39 min
